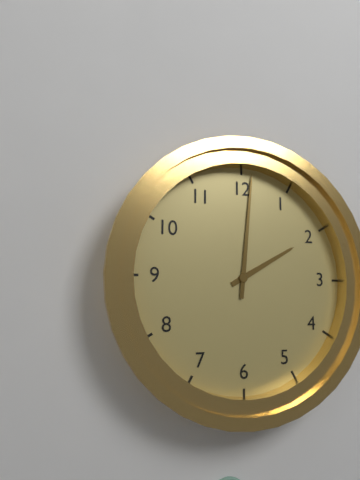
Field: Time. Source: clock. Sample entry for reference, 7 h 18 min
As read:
2 h 01 min
